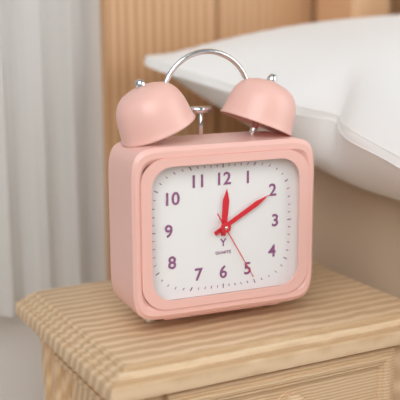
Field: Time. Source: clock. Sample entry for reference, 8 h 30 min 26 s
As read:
12 h 10 min 25 s
